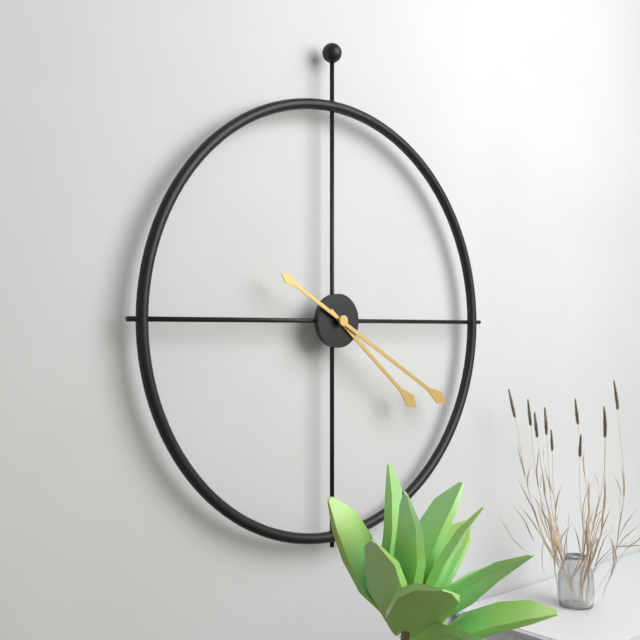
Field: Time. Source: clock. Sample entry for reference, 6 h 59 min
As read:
4 h 20 min
